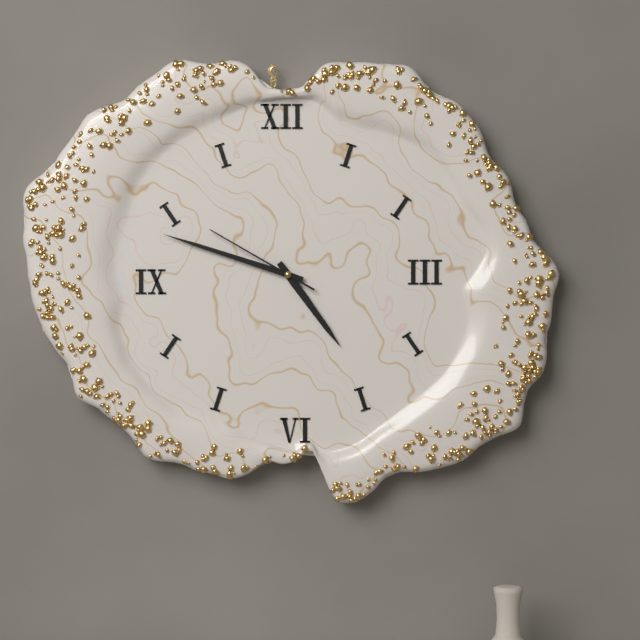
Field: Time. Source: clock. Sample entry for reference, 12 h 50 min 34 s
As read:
4 h 48 min 50 s
